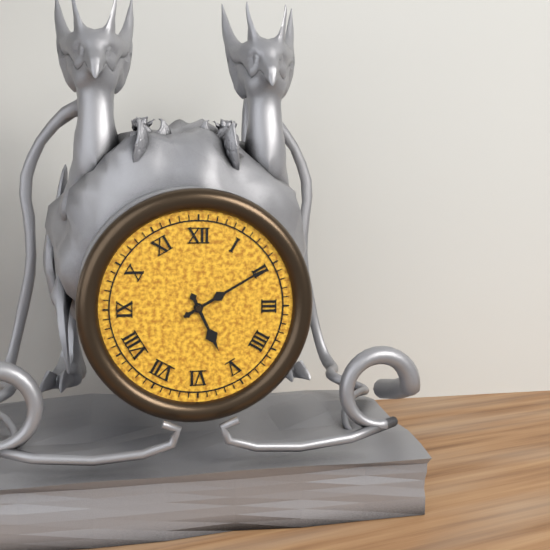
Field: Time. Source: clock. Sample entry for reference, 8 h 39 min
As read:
5 h 10 min
